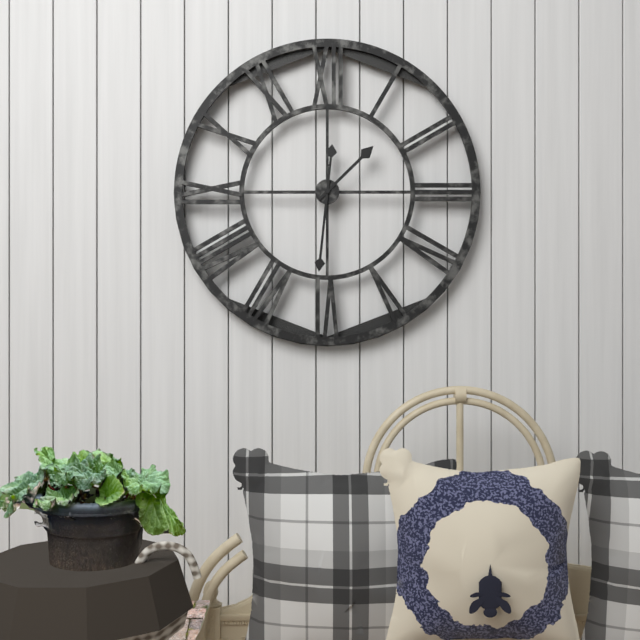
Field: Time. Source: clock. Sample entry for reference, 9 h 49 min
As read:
1 h 31 min
